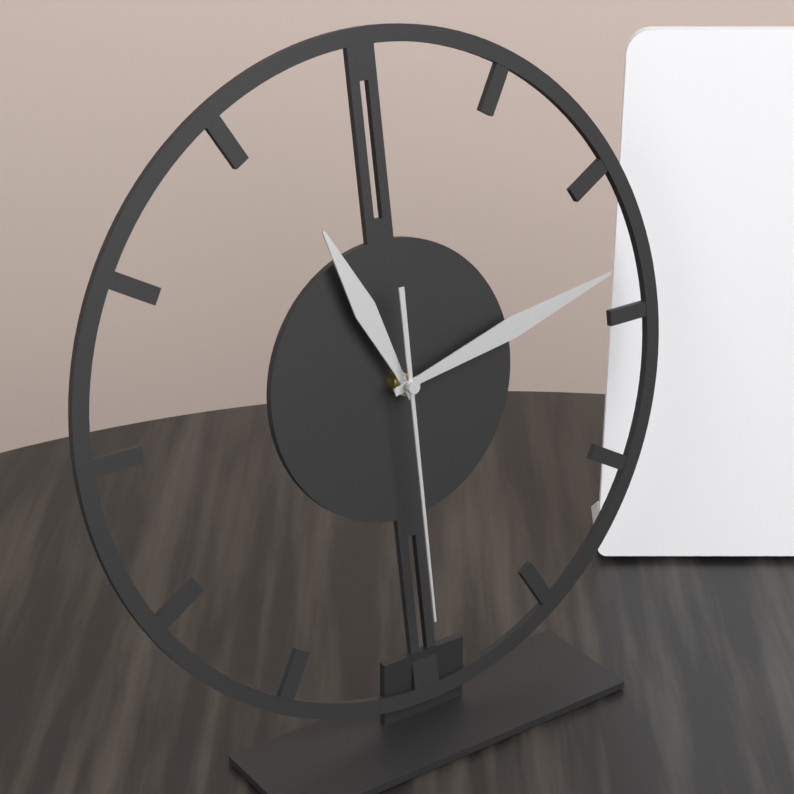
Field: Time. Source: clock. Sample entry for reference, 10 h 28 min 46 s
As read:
11 h 13 min 30 s
